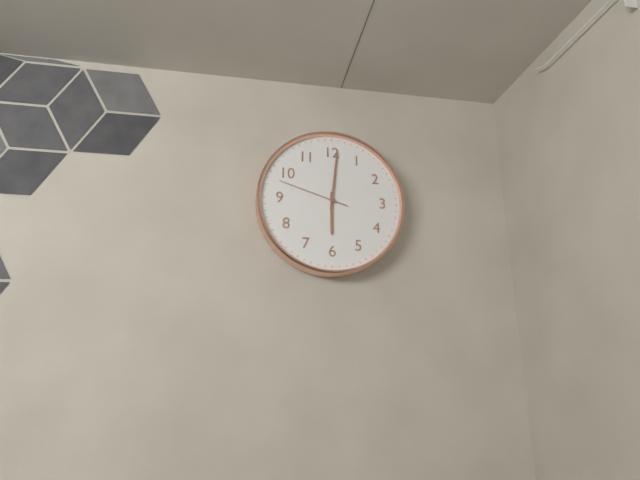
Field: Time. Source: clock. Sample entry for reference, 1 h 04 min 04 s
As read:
6 h 01 min 48 s
